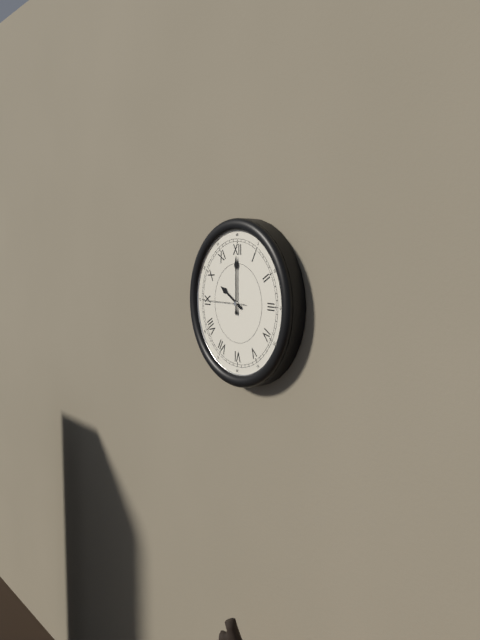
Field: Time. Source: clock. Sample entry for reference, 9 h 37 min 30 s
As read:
10 h 00 min 45 s
